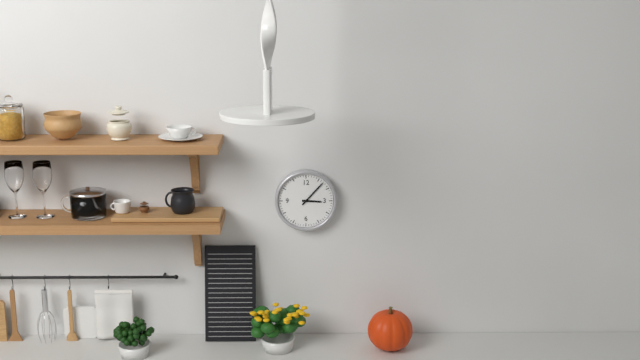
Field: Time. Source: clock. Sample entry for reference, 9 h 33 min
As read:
3 h 07 min
